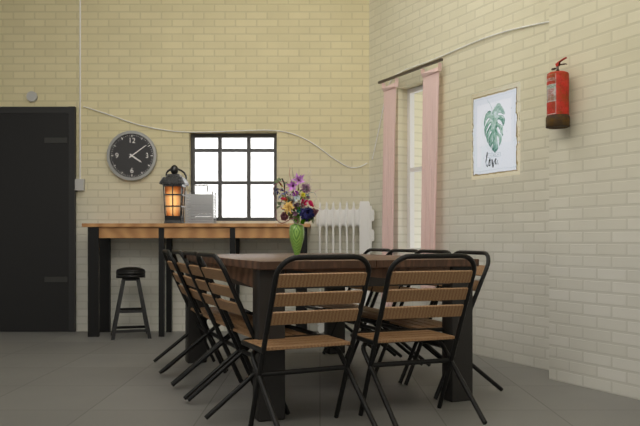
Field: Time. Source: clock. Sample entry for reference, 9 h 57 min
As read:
4 h 09 min
